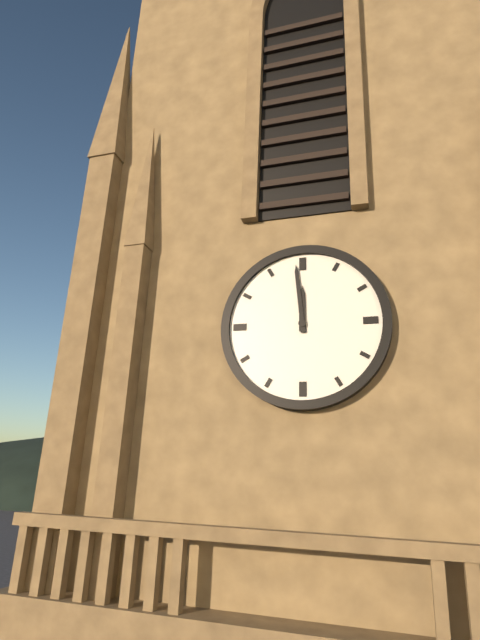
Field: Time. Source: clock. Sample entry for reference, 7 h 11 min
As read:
11 h 59 min
